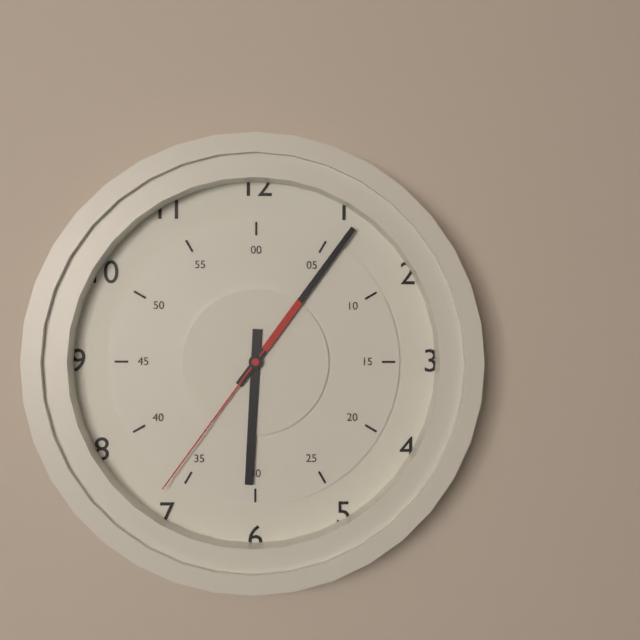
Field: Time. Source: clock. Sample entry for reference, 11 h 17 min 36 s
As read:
6 h 06 min 36 s
